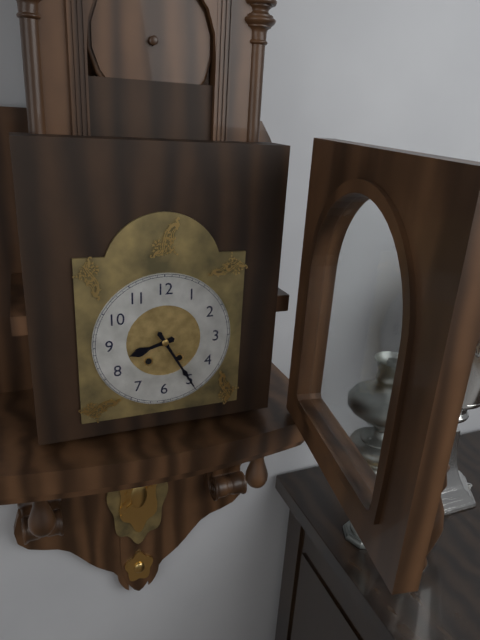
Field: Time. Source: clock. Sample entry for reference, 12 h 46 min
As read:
8 h 25 min
